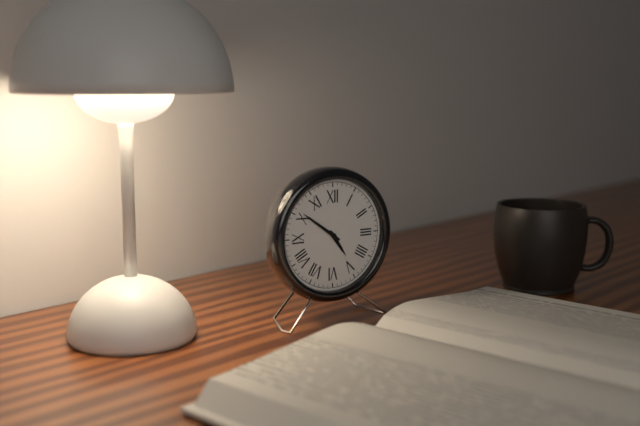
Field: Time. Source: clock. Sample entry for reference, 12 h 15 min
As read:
4 h 51 min
